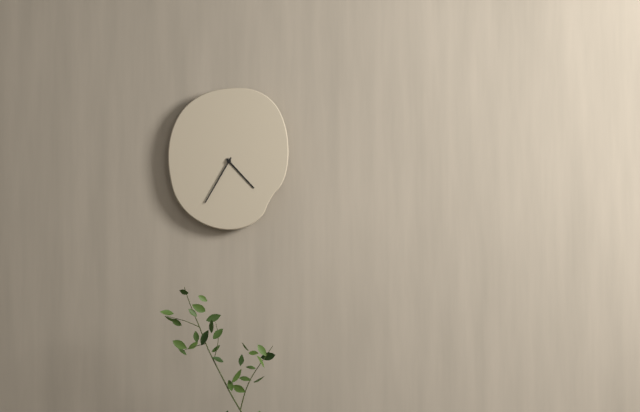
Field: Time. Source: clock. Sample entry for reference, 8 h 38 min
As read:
4 h 35 min
